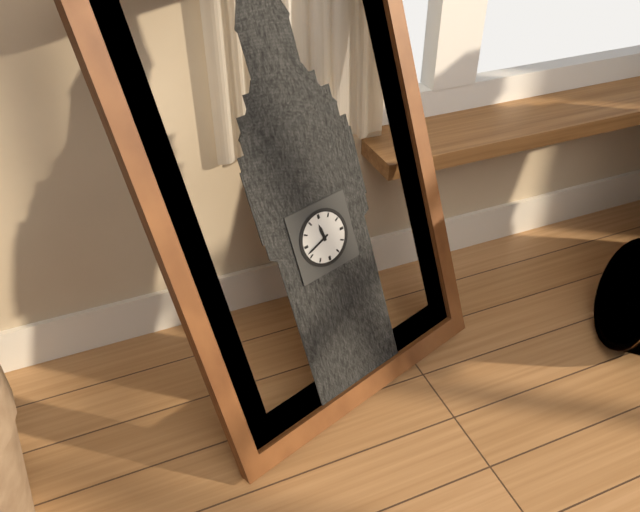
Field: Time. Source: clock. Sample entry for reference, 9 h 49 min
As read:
11 h 42 min
